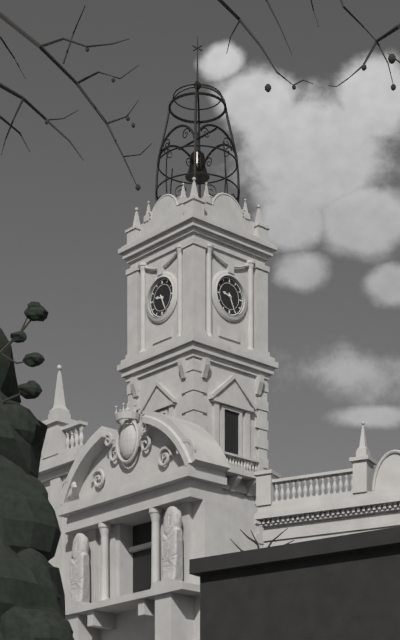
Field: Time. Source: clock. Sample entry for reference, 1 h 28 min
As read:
9 h 26 min
